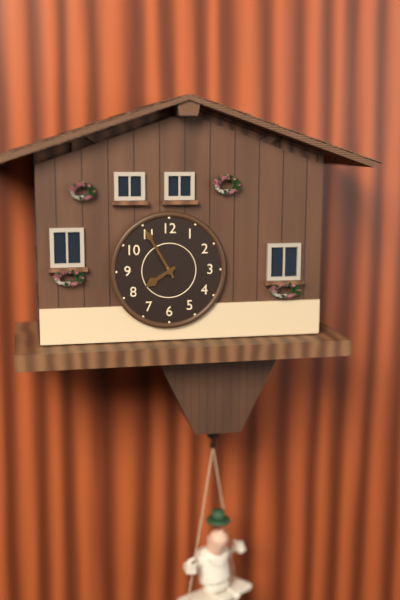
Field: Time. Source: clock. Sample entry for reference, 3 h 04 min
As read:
7 h 55 min
